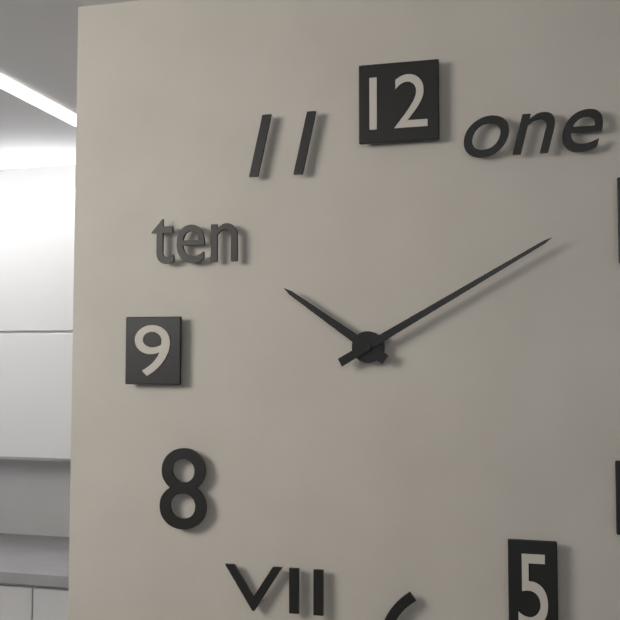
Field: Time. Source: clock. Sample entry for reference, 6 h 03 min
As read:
10 h 10 min
